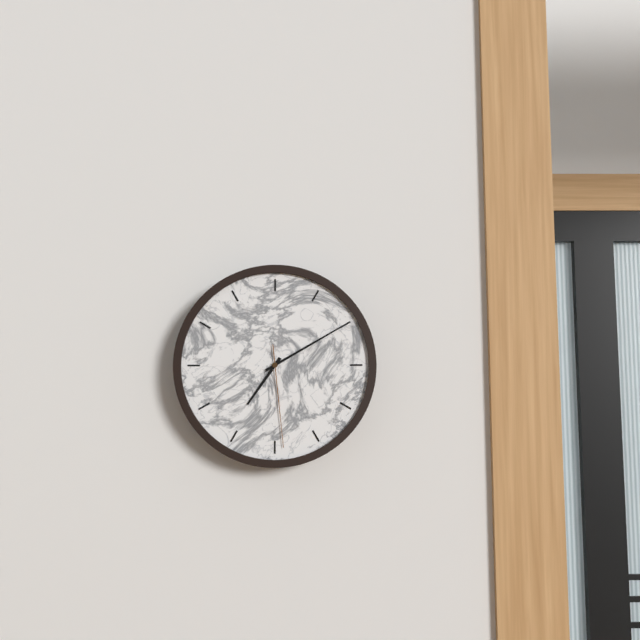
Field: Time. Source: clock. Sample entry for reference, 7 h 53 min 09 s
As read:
7 h 10 min 29 s
